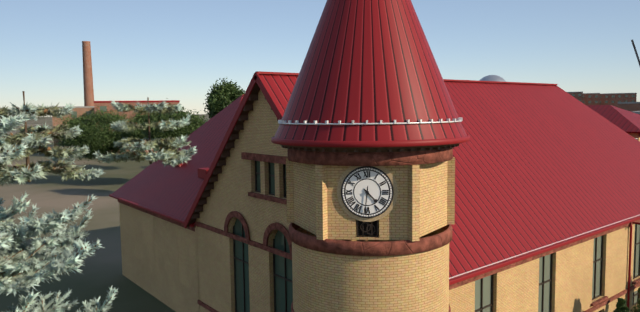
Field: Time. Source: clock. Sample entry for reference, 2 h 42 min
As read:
4 h 31 min
